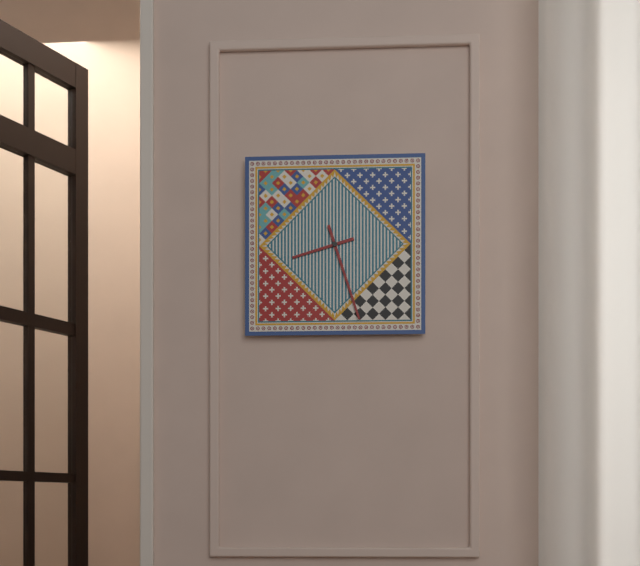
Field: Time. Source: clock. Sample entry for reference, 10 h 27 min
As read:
8 h 27 min
